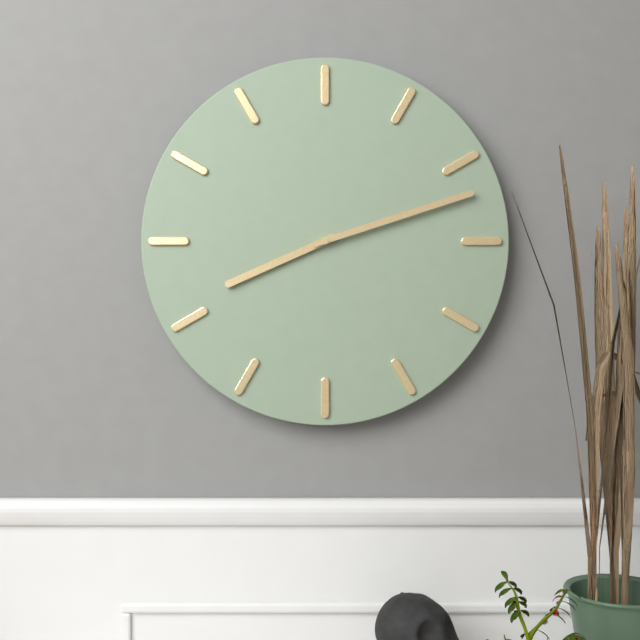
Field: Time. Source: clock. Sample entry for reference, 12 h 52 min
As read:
8 h 12 min
